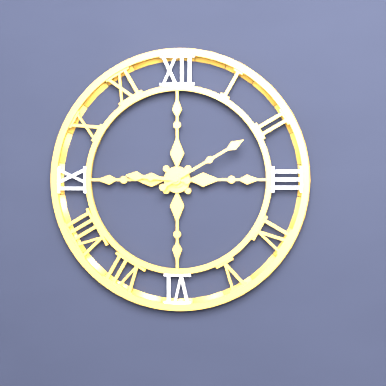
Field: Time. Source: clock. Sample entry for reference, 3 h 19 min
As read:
9 h 10 min
